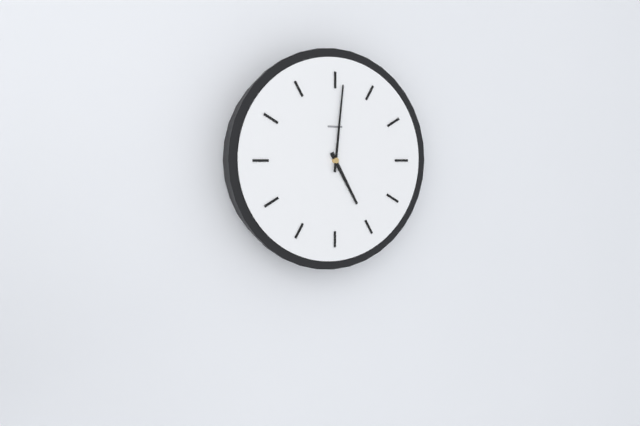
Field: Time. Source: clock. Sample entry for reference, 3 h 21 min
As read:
5 h 01 min
